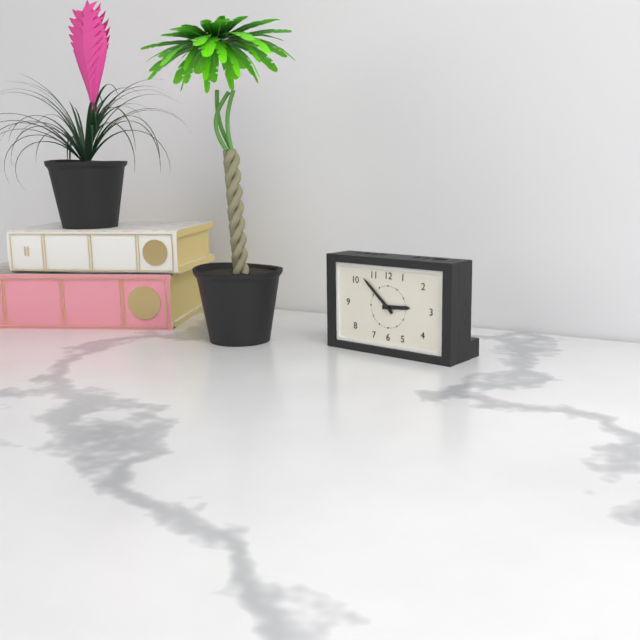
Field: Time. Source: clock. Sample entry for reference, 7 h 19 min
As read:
2 h 52 min
